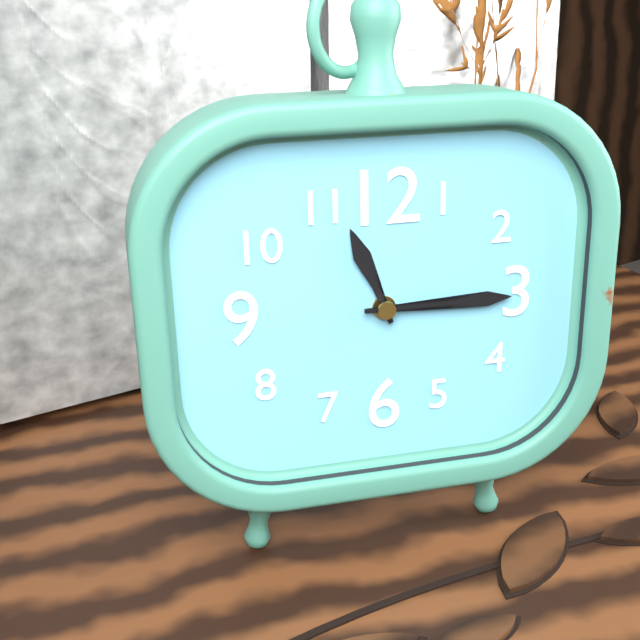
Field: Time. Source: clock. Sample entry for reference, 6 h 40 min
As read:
11 h 15 min
